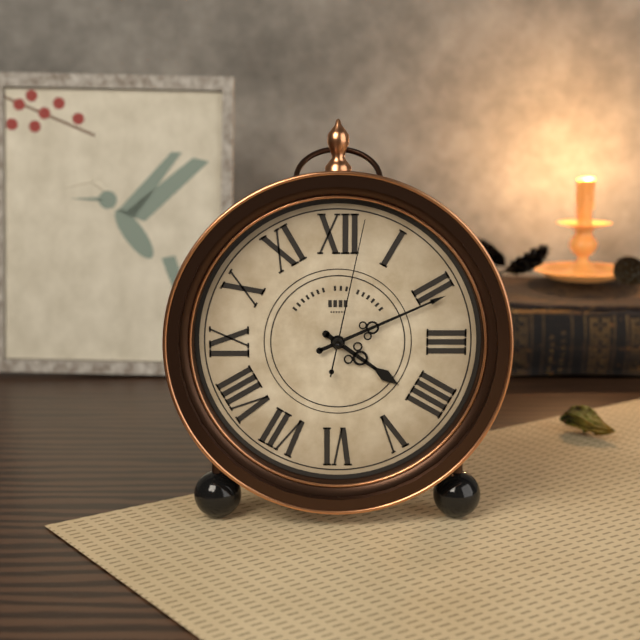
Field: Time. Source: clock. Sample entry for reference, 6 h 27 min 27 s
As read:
4 h 11 min 02 s
